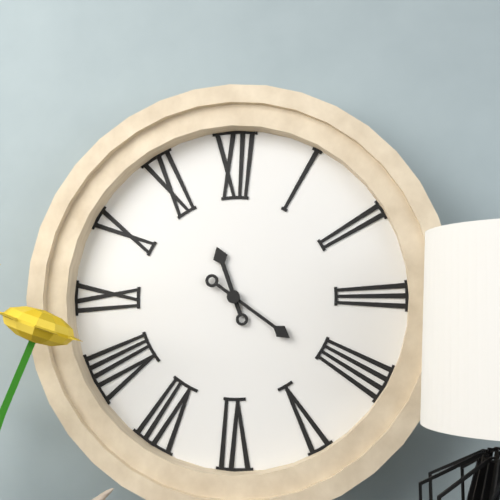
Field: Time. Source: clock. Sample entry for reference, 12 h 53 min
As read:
11 h 21 min
